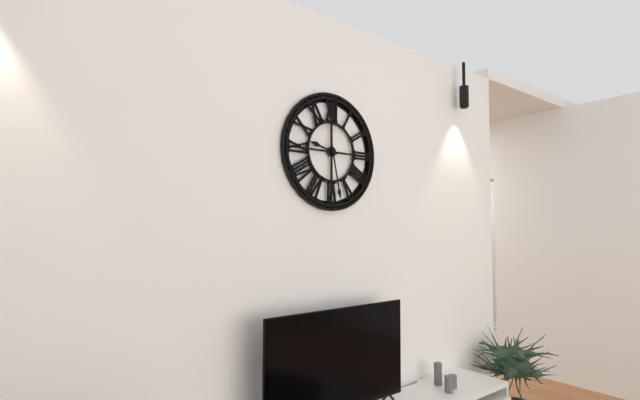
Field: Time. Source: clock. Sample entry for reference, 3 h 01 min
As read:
9 h 28 min
